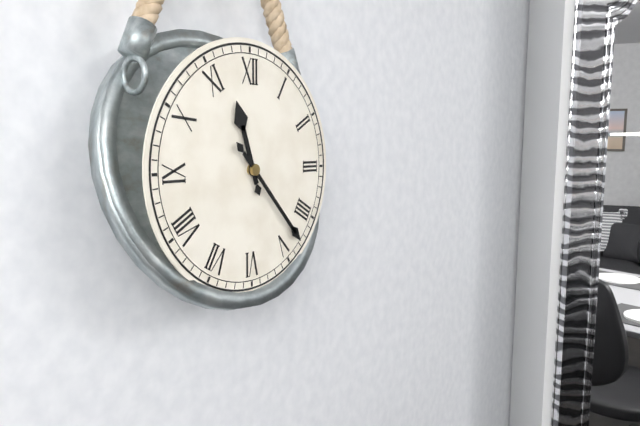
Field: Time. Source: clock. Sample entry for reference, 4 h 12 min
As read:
11 h 23 min
